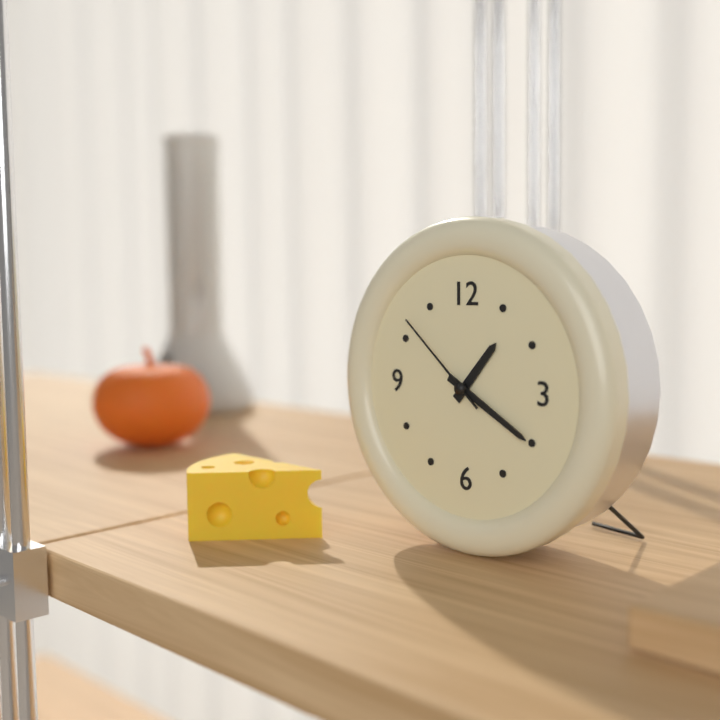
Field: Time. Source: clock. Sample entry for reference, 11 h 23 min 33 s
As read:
1 h 20 min 52 s
